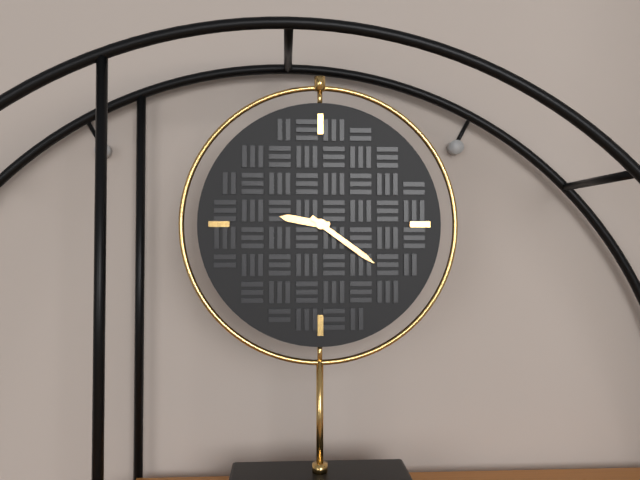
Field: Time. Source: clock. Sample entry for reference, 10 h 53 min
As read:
9 h 21 min
